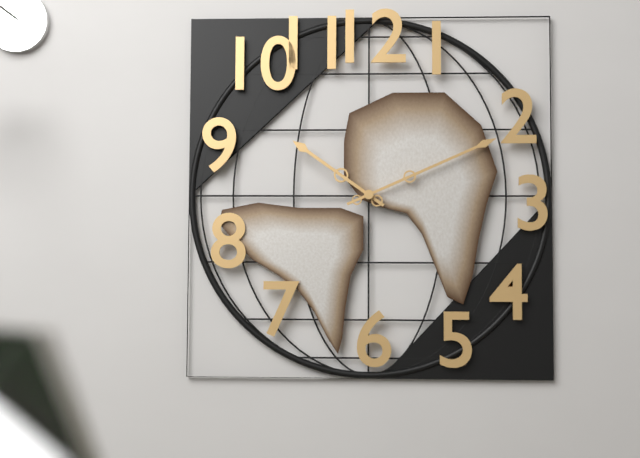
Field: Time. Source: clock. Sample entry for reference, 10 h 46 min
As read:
10 h 11 min
